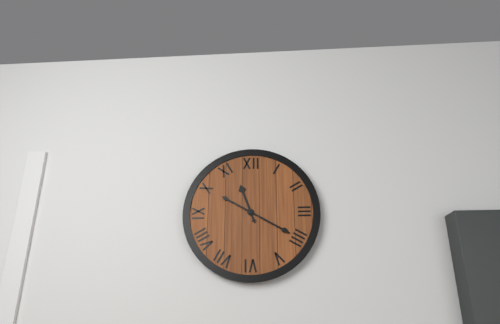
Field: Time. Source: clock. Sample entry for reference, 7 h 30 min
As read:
11 h 20 min
